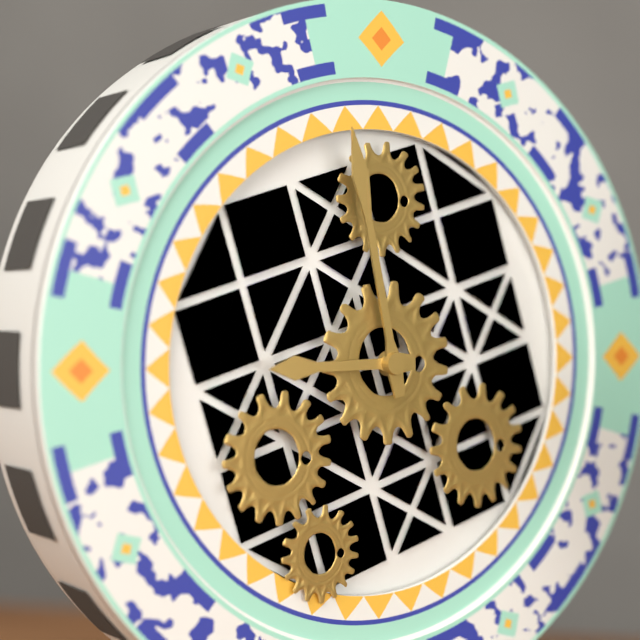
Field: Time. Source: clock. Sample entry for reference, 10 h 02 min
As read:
8 h 58 min
